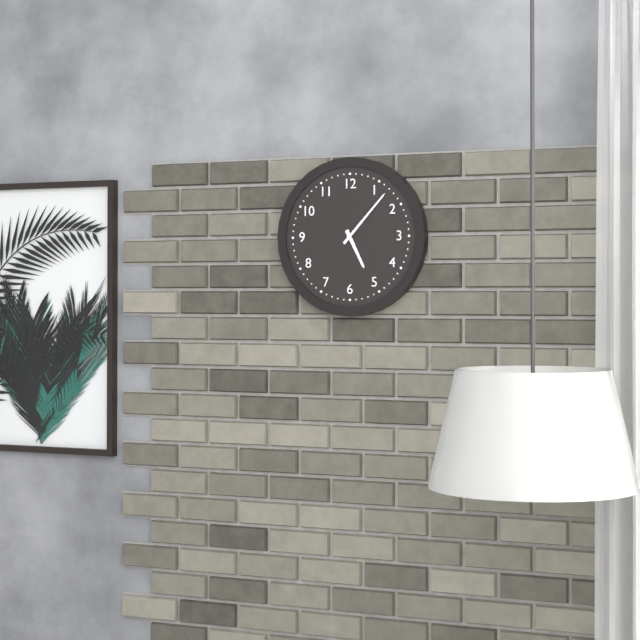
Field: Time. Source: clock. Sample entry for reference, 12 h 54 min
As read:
5 h 07 min
